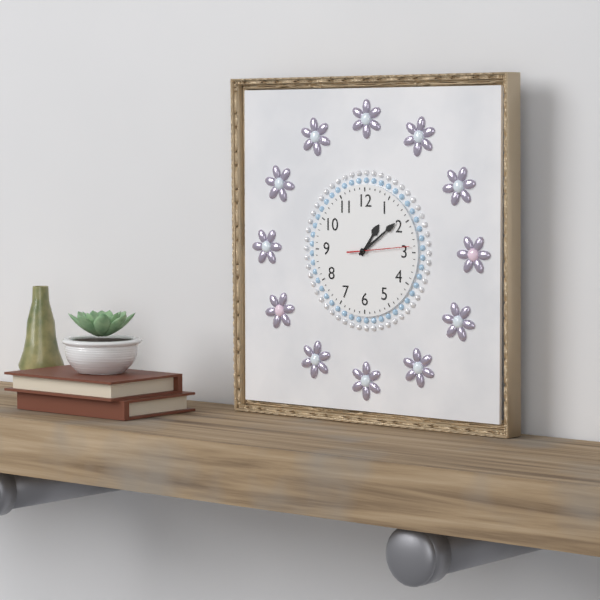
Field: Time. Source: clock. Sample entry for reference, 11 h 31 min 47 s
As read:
1 h 09 min 14 s
